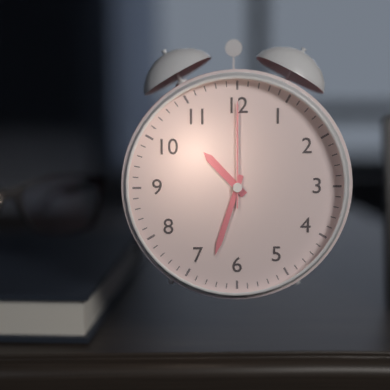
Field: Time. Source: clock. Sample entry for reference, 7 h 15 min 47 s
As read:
10 h 33 min 00 s
